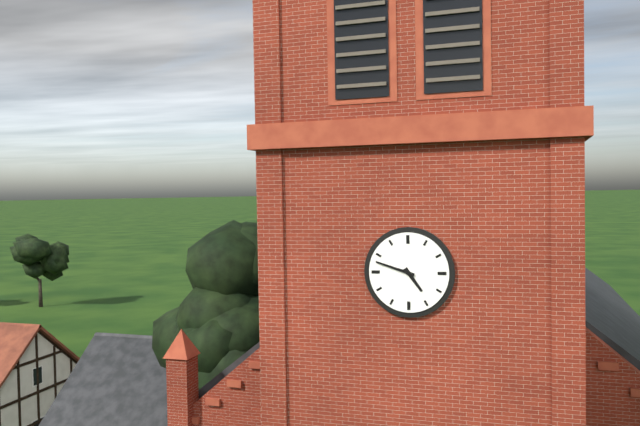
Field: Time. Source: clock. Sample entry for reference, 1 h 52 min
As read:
4 h 48 min
